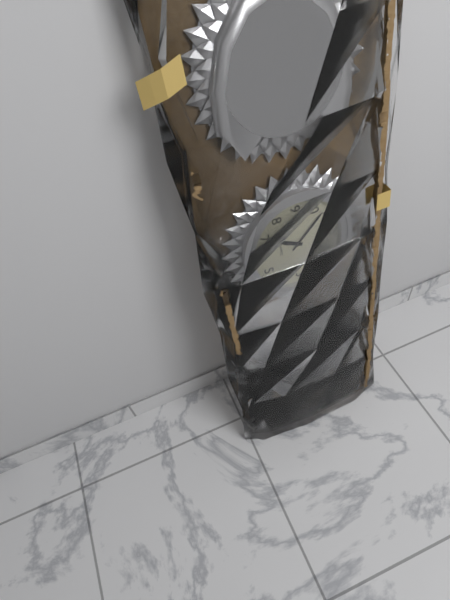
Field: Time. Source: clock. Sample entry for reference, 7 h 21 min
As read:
6 h 53 min
